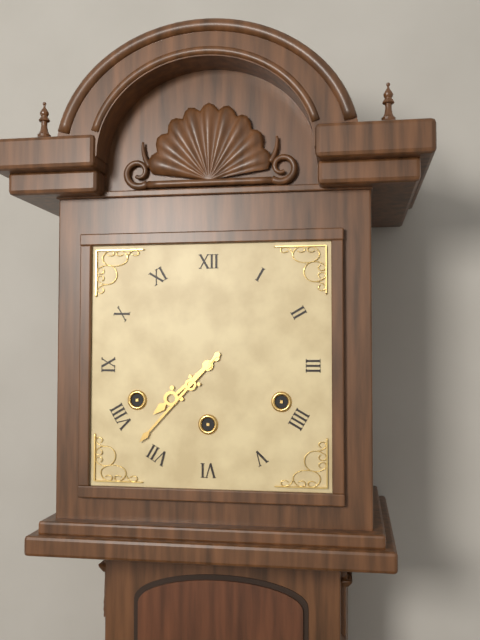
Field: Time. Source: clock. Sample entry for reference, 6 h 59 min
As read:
7 h 37 min
